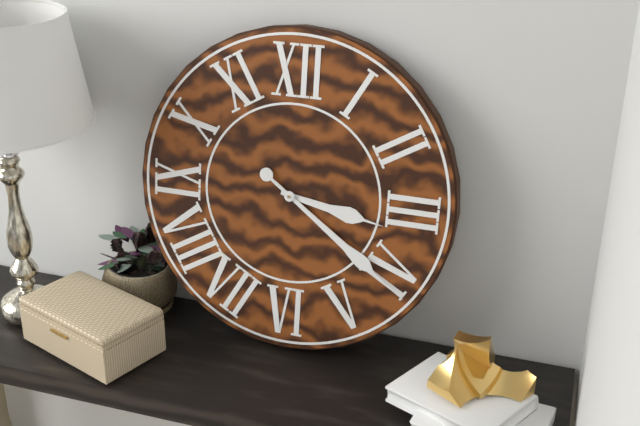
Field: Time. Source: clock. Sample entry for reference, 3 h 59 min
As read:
3 h 21 min
